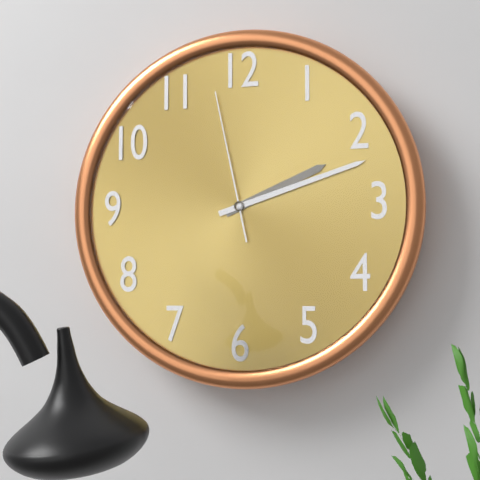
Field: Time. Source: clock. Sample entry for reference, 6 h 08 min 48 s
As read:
2 h 12 min 58 s
